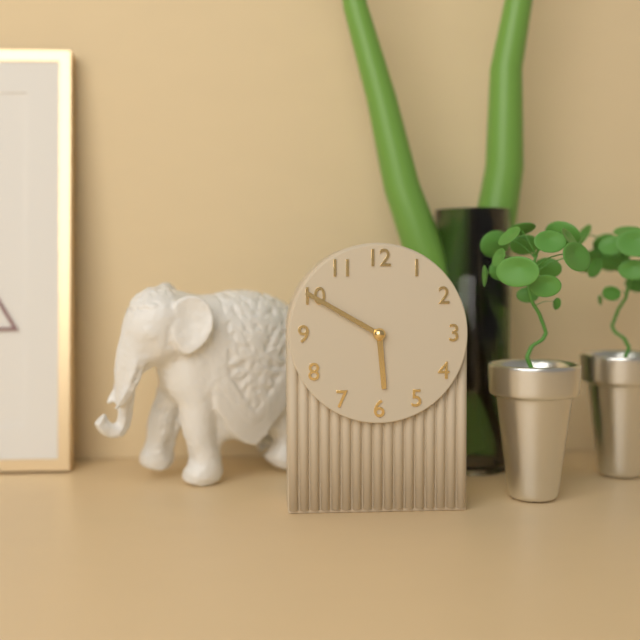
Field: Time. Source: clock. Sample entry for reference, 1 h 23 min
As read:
5 h 50 min
